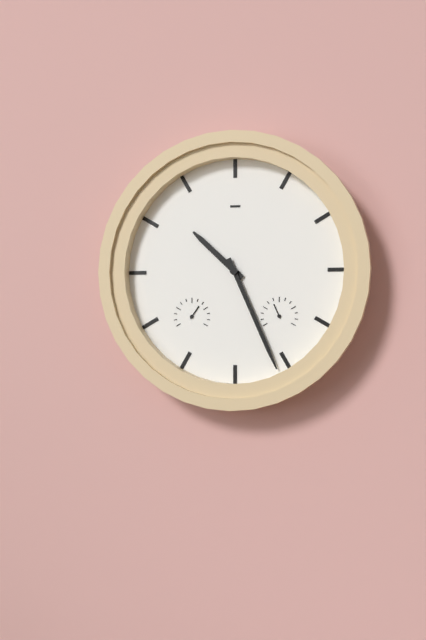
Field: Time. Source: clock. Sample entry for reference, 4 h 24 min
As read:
10 h 26 min
